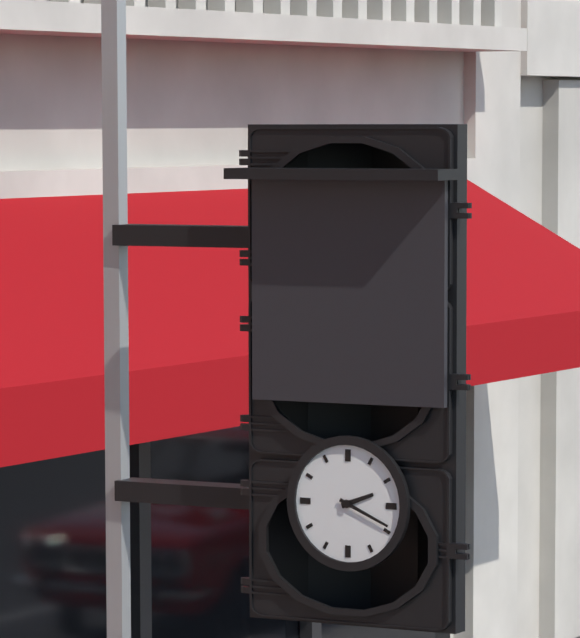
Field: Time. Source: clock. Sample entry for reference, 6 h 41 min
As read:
2 h 19 min
